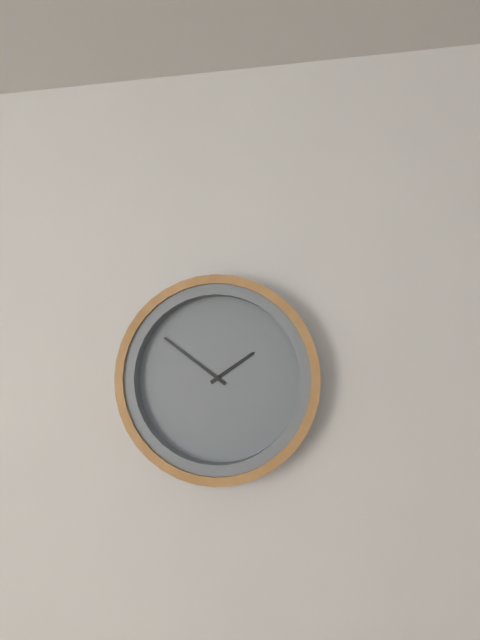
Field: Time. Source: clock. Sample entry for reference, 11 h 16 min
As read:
1 h 51 min
